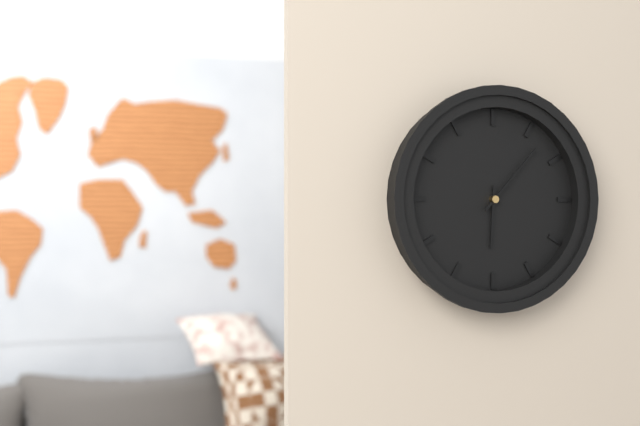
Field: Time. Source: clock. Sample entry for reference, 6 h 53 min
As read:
6 h 07 min
